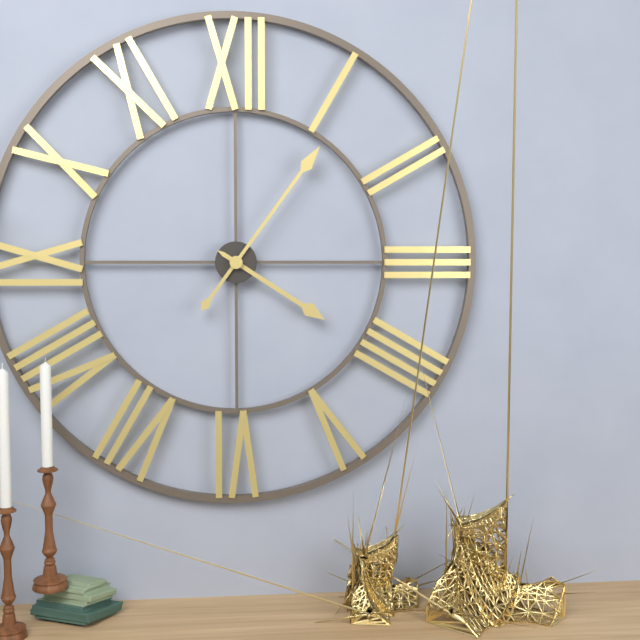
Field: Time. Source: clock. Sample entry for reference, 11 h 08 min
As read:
4 h 06 min
